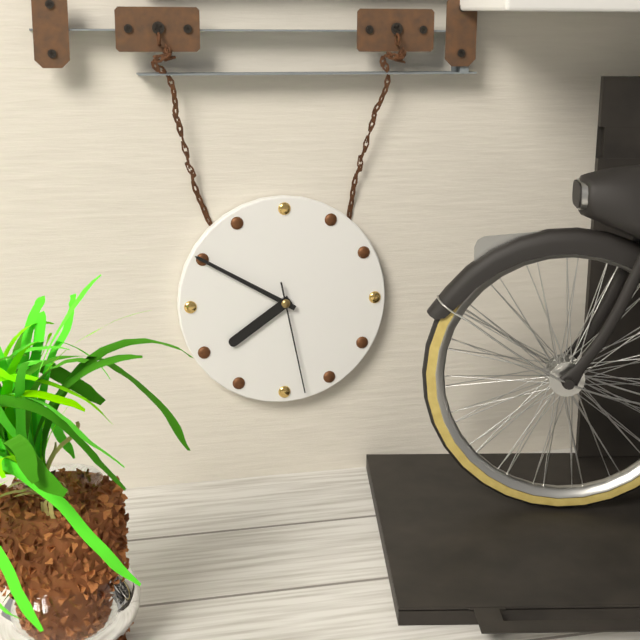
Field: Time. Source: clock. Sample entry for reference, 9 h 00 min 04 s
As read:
7 h 50 min 28 s
